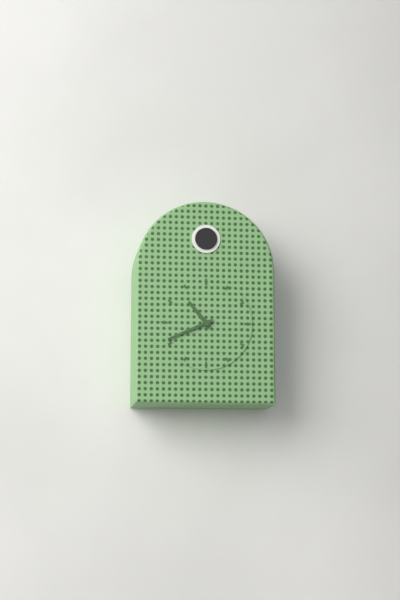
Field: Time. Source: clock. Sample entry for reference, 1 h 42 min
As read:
10 h 41 min
